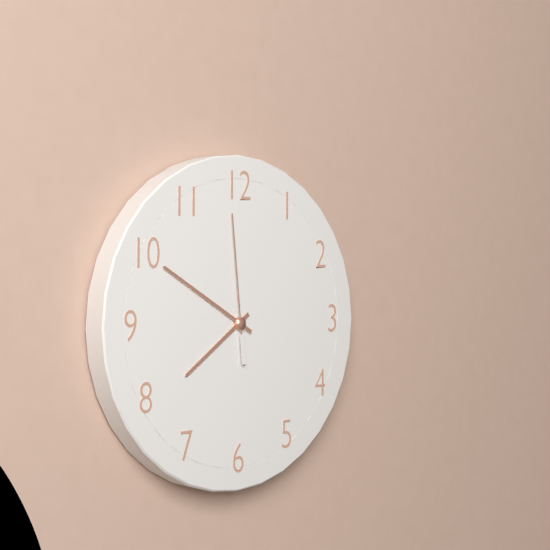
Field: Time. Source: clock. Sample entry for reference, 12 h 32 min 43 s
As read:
7 h 50 min 59 s
